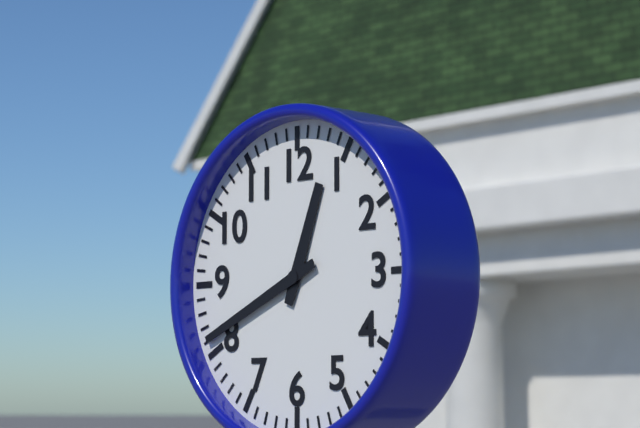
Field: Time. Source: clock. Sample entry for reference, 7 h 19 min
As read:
12 h 41 min
